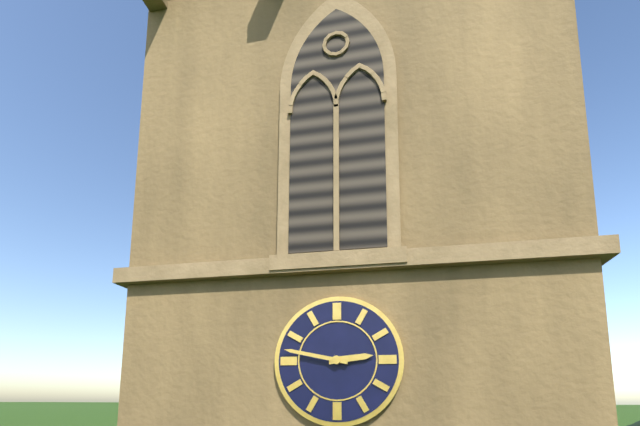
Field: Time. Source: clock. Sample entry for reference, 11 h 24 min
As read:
2 h 47 min
